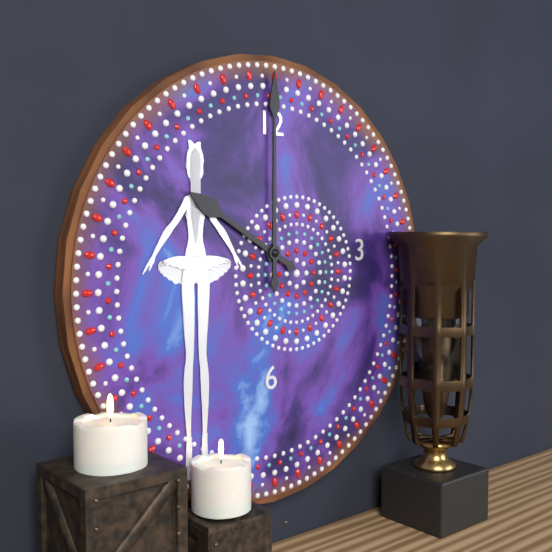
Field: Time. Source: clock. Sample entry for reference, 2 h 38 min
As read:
10 h 00 min
